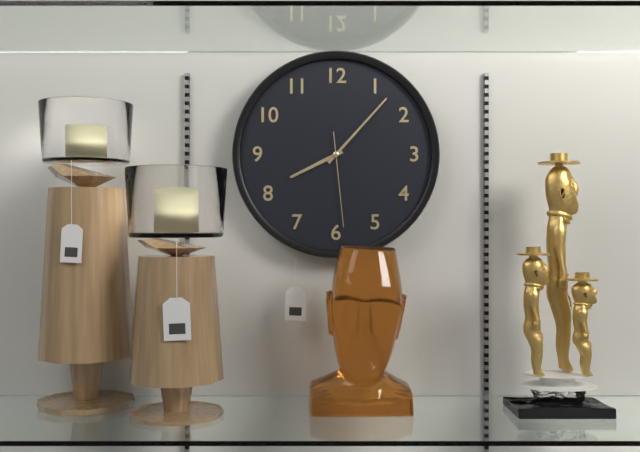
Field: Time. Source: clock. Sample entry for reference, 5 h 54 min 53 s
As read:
8 h 07 min 29 s
